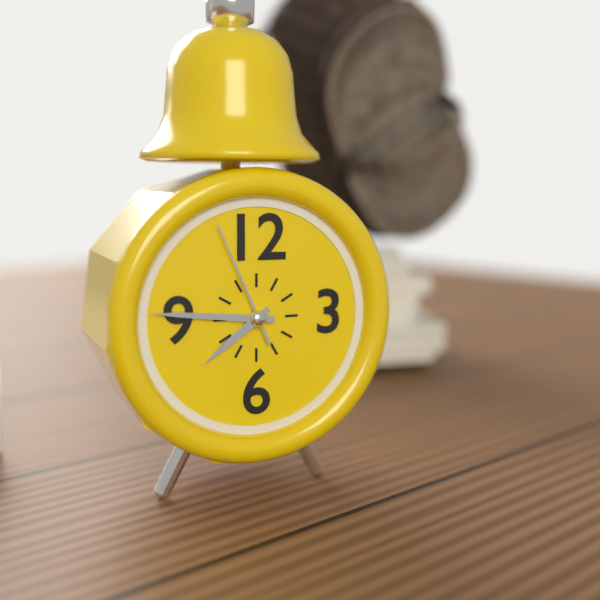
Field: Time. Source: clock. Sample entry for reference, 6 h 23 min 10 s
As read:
7 h 46 min 56 s
